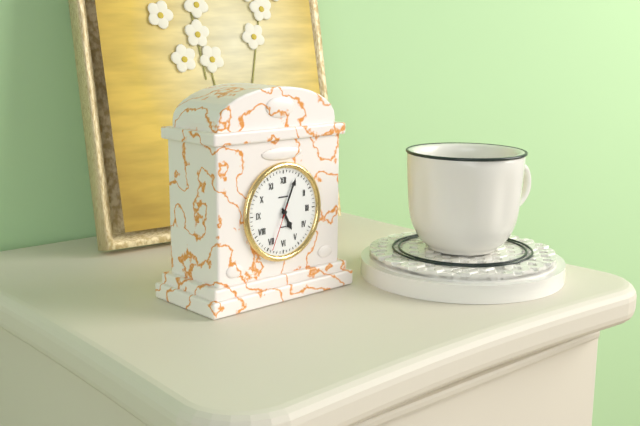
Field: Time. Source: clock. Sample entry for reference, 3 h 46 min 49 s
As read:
5 h 04 min 34 s
